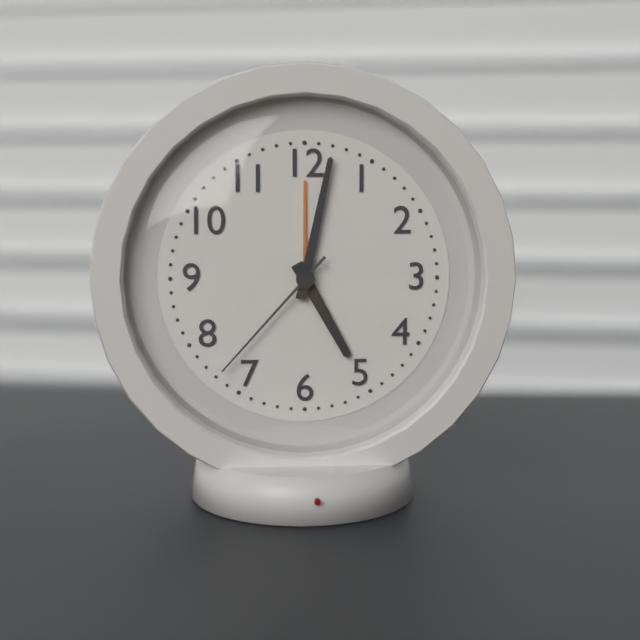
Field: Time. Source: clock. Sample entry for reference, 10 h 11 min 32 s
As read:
5 h 02 min 37 s
